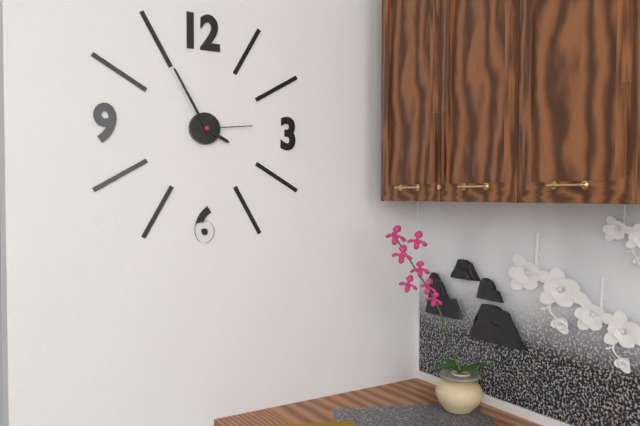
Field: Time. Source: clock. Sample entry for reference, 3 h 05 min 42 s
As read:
3 h 55 min 14 s
